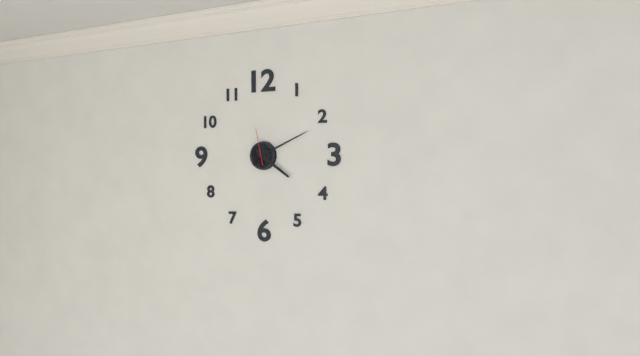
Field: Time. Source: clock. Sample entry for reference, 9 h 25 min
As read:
4 h 11 min
